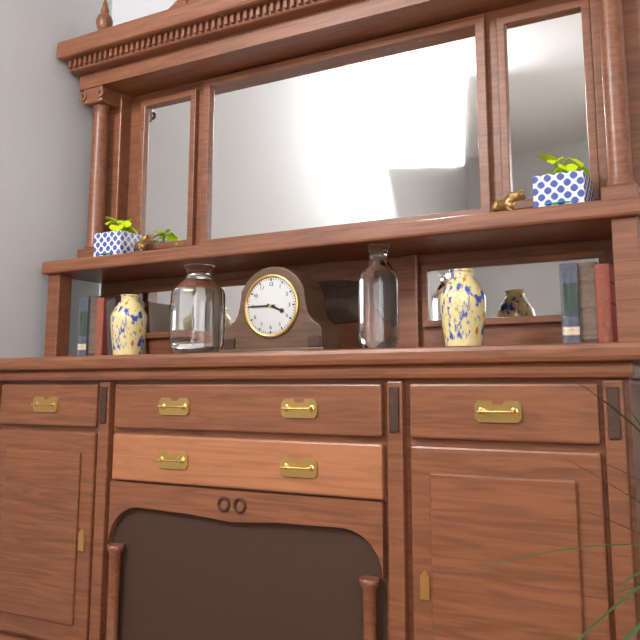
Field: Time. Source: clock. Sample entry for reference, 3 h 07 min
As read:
3 h 45 min
